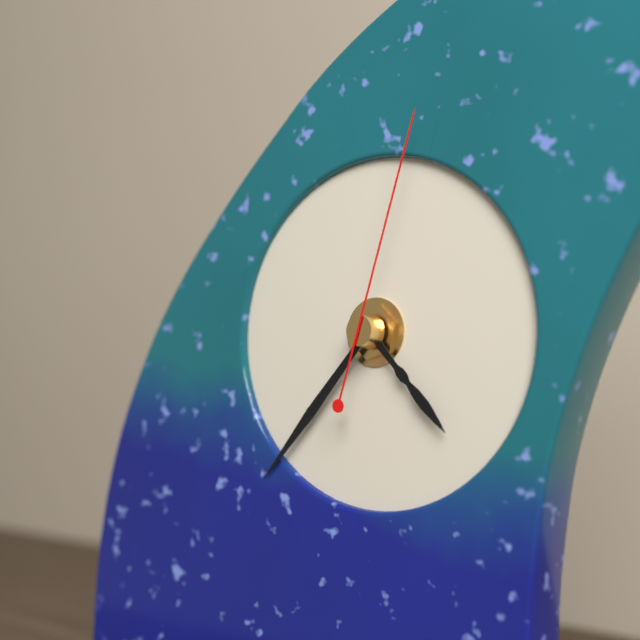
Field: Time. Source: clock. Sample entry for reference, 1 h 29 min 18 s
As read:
4 h 37 min 03 s
